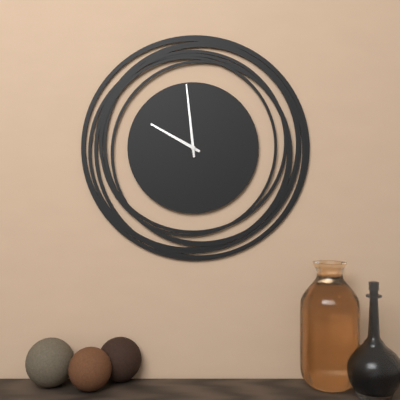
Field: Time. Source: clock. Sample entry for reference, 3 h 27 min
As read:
9 h 59 min
